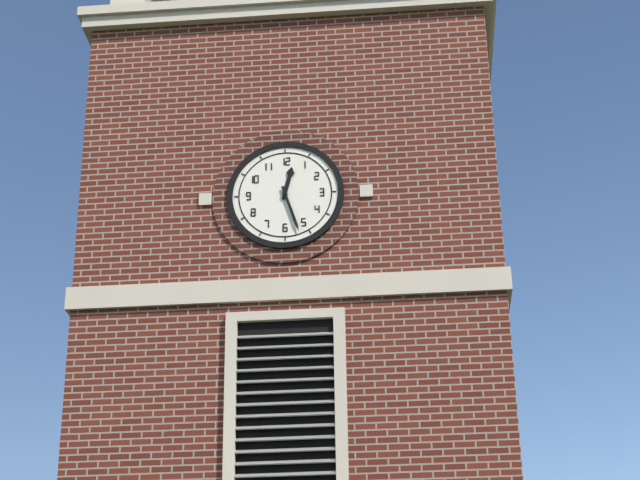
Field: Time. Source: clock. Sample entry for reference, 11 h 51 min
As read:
12 h 27 min
